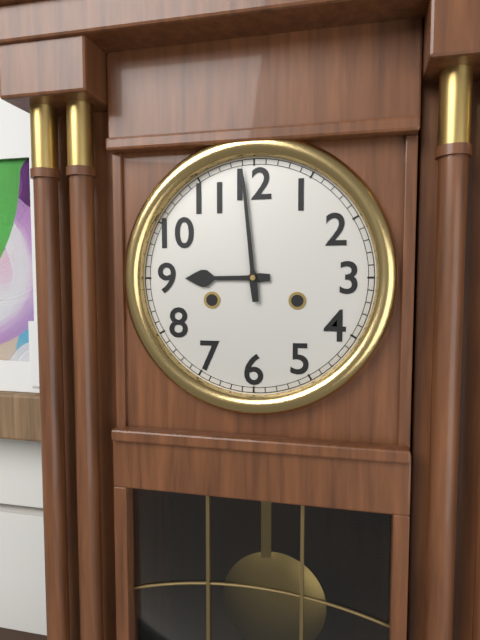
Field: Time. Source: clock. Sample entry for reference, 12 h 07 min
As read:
8 h 59 min
